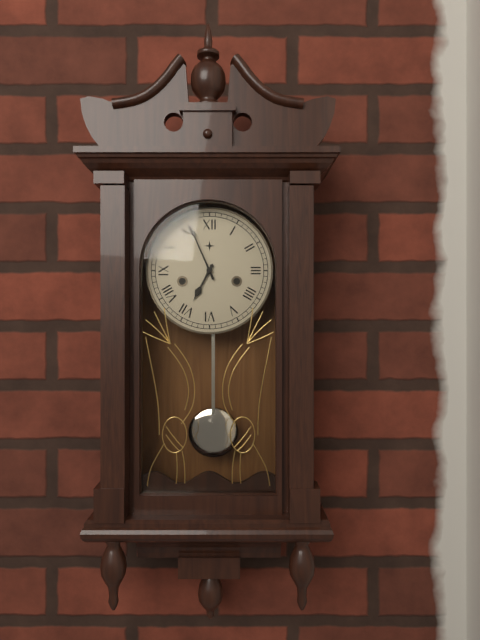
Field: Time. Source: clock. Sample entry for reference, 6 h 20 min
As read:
6 h 56 min
